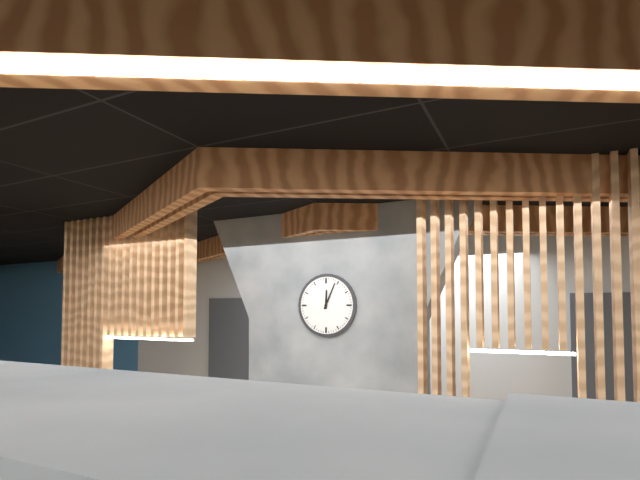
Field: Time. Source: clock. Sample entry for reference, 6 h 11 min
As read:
12 h 04 min
